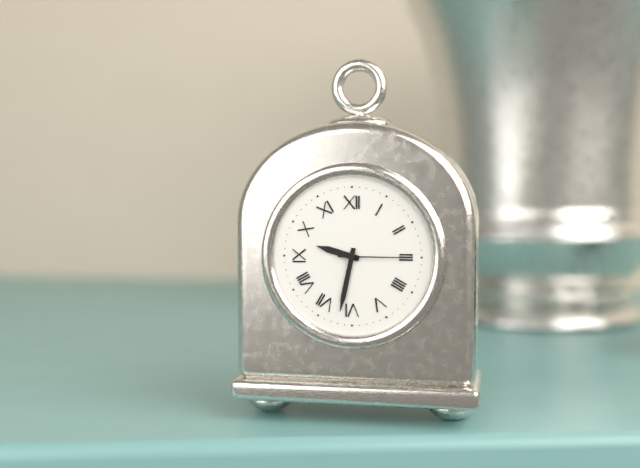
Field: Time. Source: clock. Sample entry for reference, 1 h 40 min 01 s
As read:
9 h 32 min 15 s
